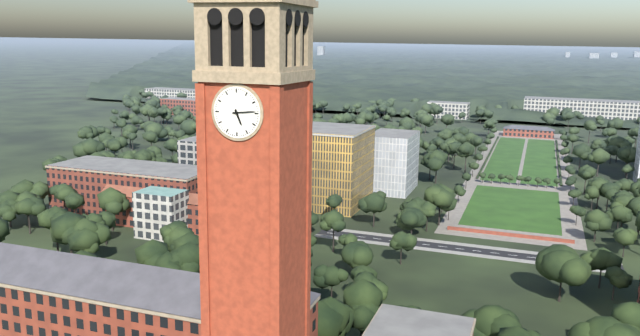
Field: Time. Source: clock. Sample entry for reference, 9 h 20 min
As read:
5 h 14 min
